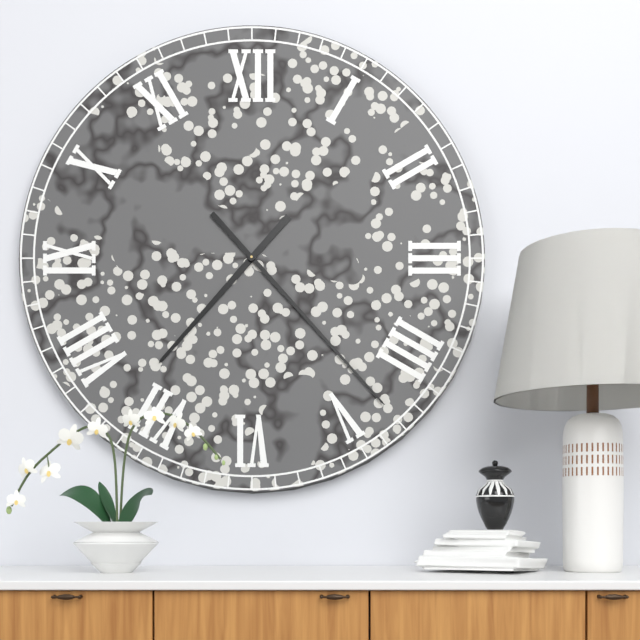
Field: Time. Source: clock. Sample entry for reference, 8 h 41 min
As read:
7 h 23 min
